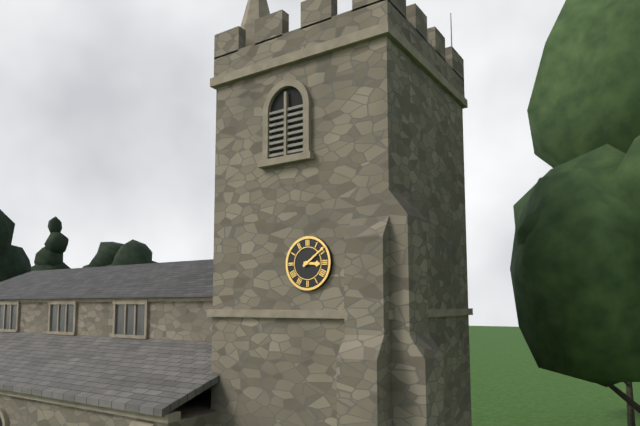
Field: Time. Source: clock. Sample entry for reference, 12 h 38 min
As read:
3 h 09 min
